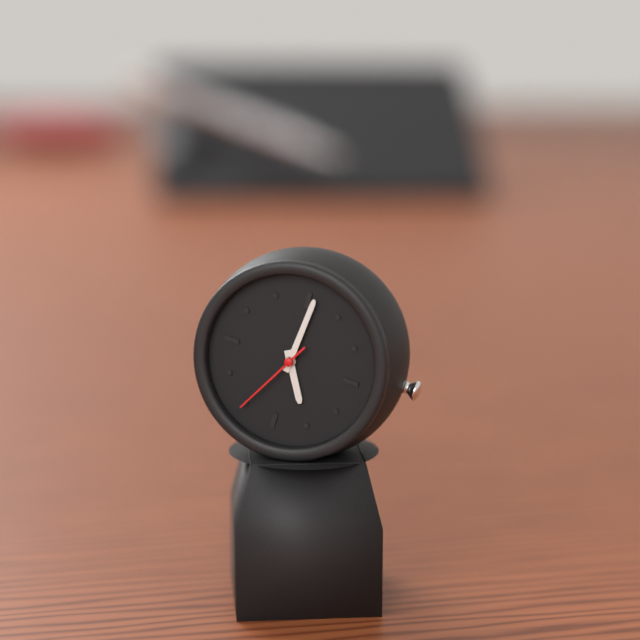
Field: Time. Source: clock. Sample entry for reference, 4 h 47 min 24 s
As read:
5 h 01 min 35 s
